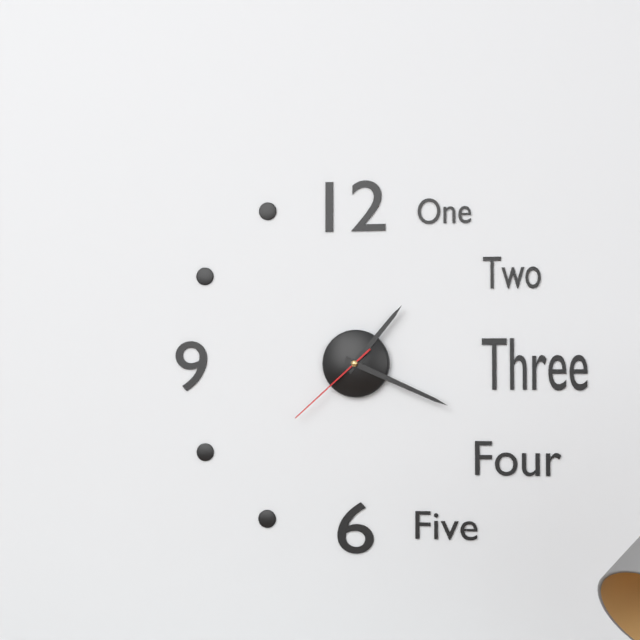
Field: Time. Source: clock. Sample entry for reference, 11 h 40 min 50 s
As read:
1 h 19 min 38 s
